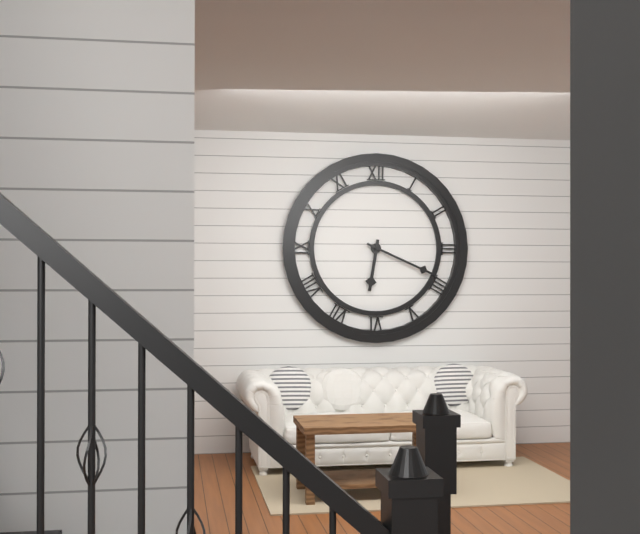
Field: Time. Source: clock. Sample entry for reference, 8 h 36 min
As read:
6 h 19 min
